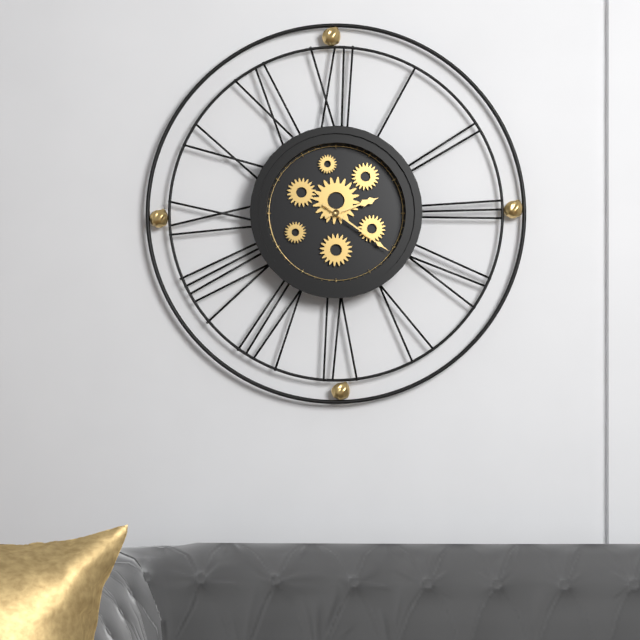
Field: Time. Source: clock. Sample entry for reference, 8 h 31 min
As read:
2 h 21 min
